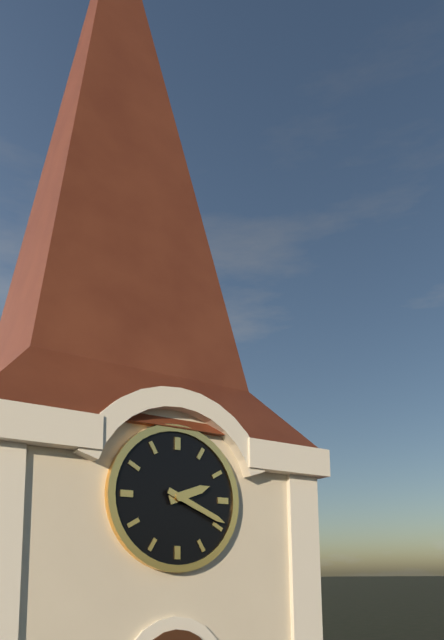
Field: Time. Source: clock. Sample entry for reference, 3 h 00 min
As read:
2 h 19 min
